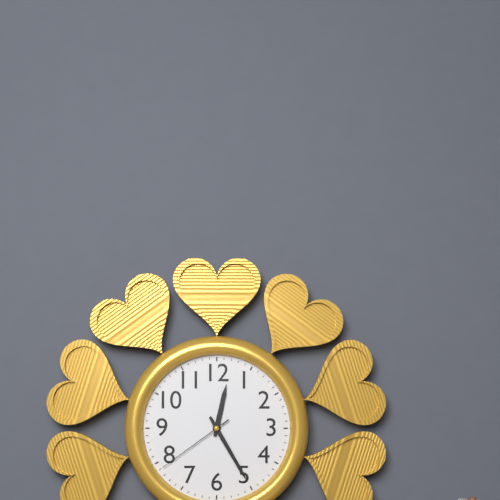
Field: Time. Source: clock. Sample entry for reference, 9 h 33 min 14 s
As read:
12 h 25 min 39 s
